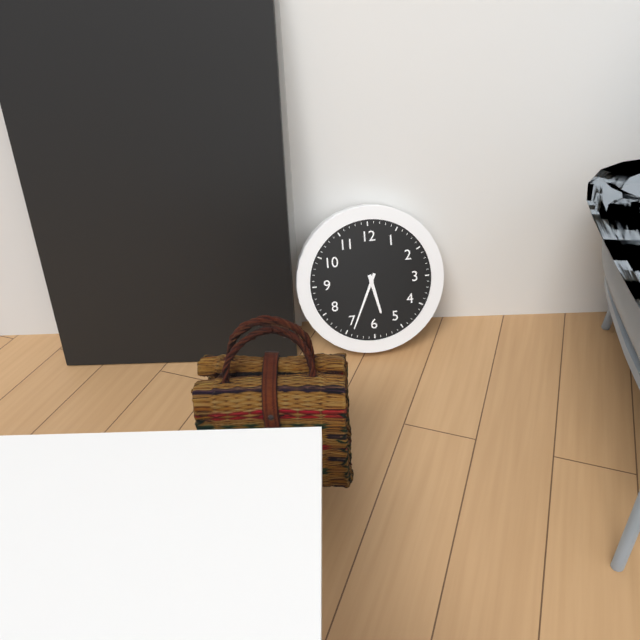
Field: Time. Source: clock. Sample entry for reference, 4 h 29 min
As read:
5 h 34 min
